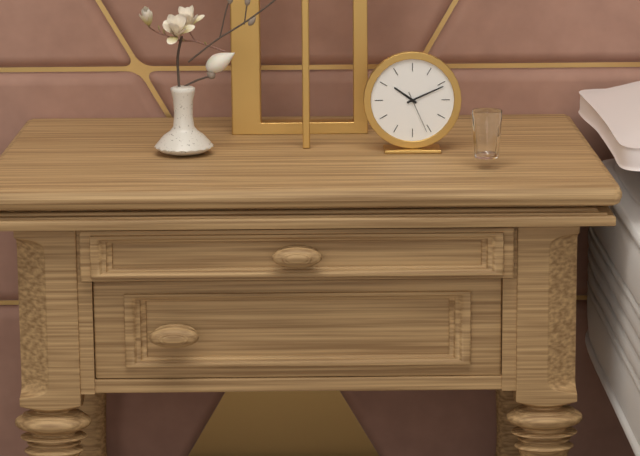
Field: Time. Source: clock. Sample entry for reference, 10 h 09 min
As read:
10 h 11 min
